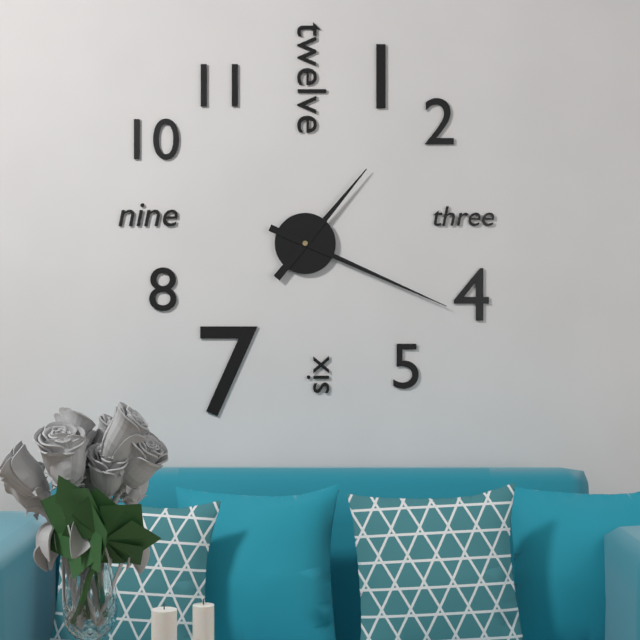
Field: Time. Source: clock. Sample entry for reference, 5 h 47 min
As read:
1 h 19 min
